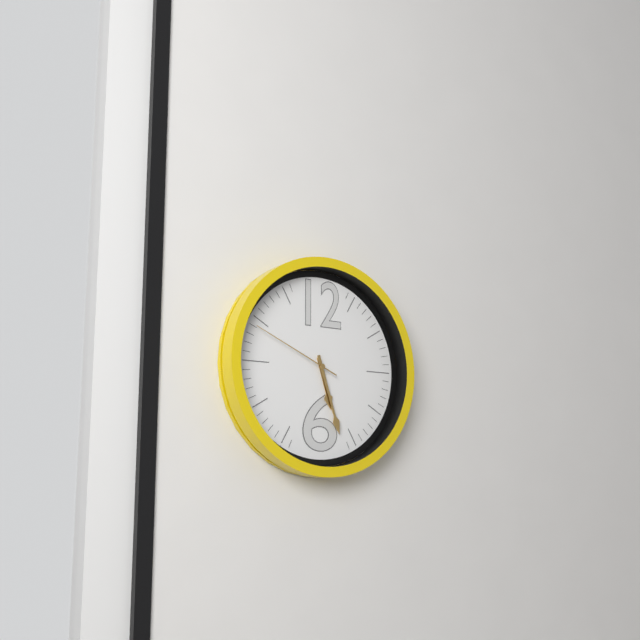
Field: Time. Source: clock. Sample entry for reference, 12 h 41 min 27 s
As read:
5 h 27 min 49 s
